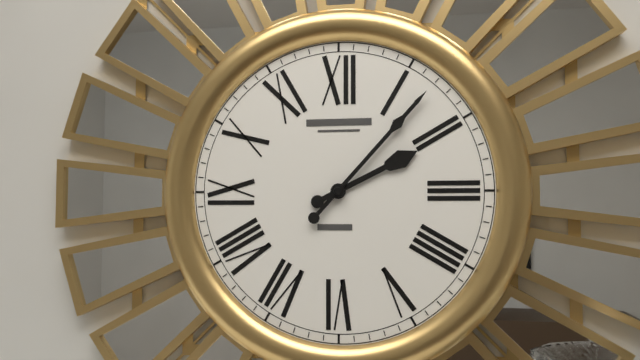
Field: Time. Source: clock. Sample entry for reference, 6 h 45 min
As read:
2 h 07 min
